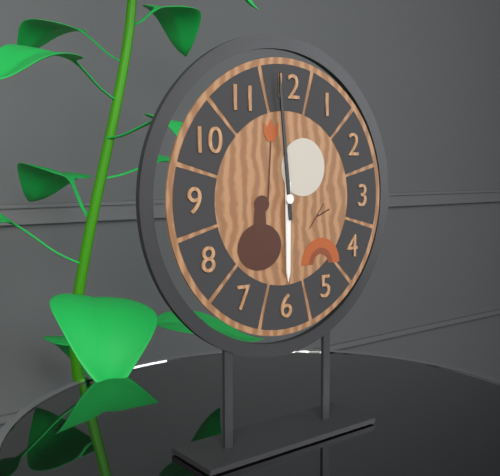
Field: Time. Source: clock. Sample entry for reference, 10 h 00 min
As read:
5 h 59 min
